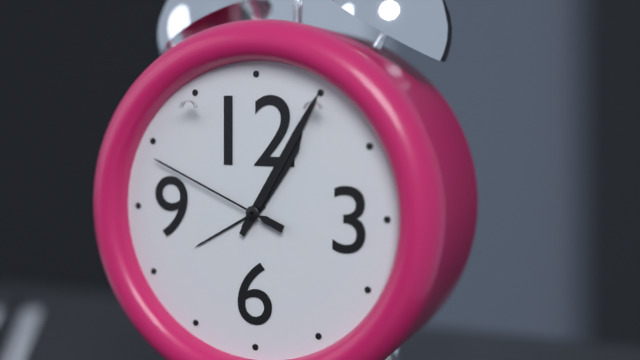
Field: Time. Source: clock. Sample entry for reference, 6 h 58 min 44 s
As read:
1 h 05 min 49 s
